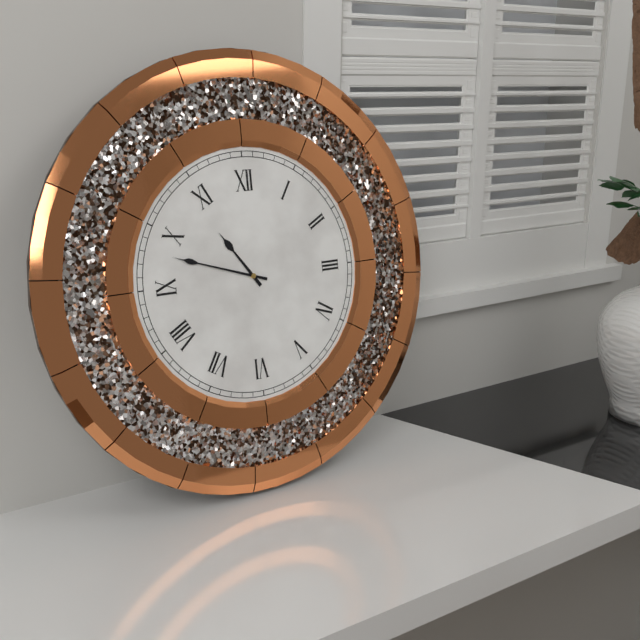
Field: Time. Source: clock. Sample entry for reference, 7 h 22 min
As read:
10 h 48 min
